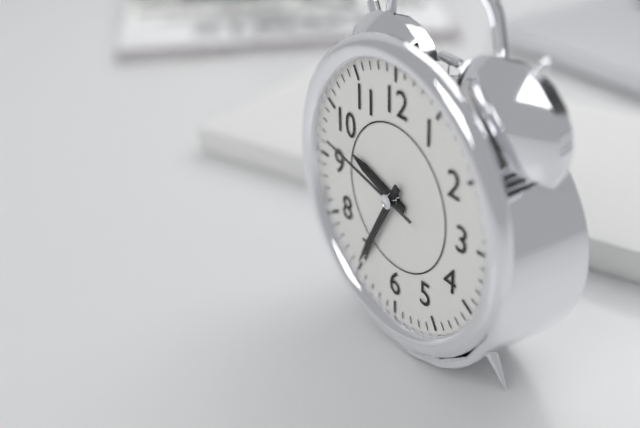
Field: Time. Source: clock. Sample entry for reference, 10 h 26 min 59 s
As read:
9 h 35 min 47 s
